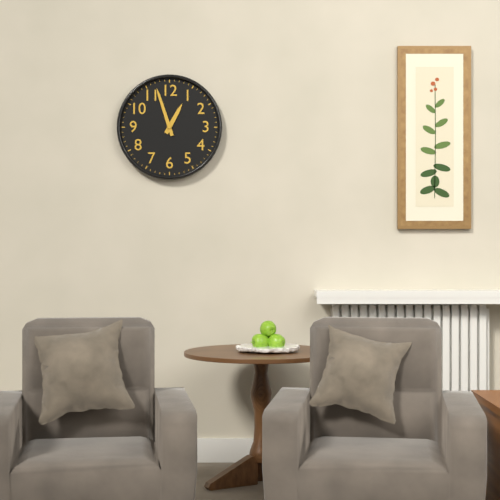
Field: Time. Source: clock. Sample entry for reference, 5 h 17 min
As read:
12 h 57 min
